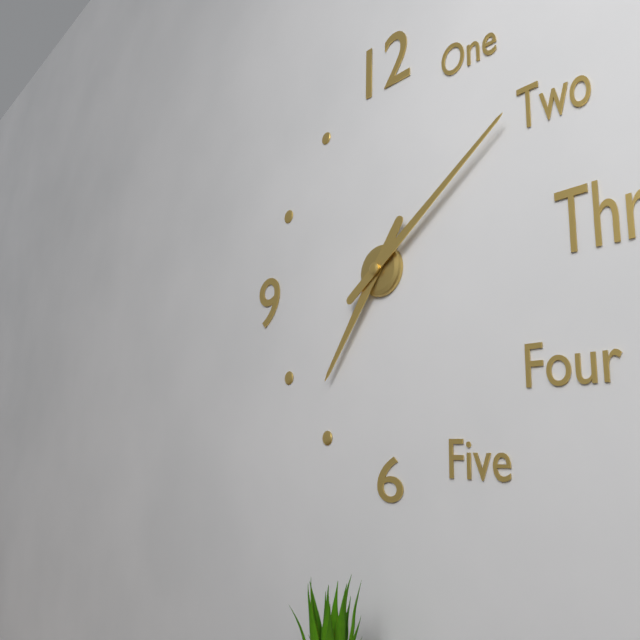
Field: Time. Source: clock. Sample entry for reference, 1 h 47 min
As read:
7 h 09 min
